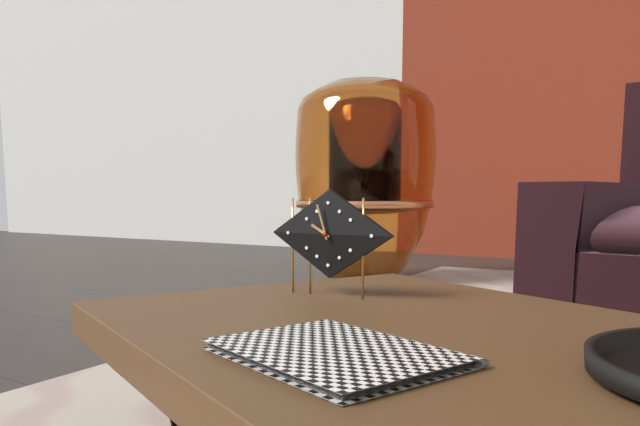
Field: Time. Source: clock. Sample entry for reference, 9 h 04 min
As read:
9 h 57 min
